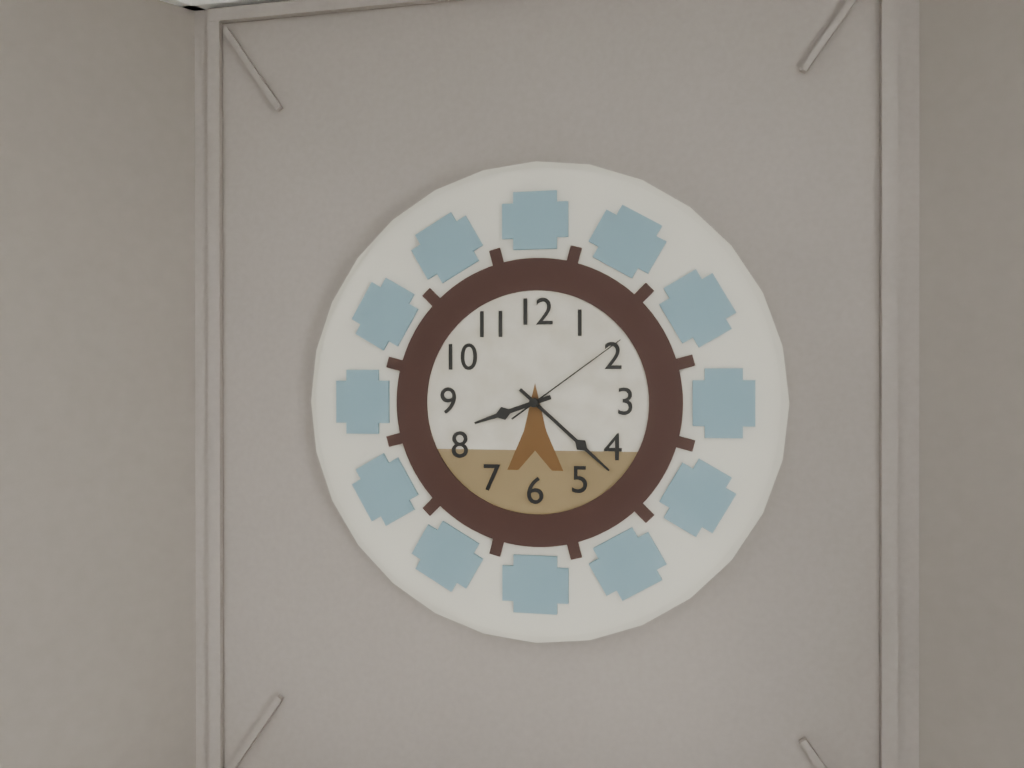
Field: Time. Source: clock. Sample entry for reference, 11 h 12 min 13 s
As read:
8 h 22 min 09 s
